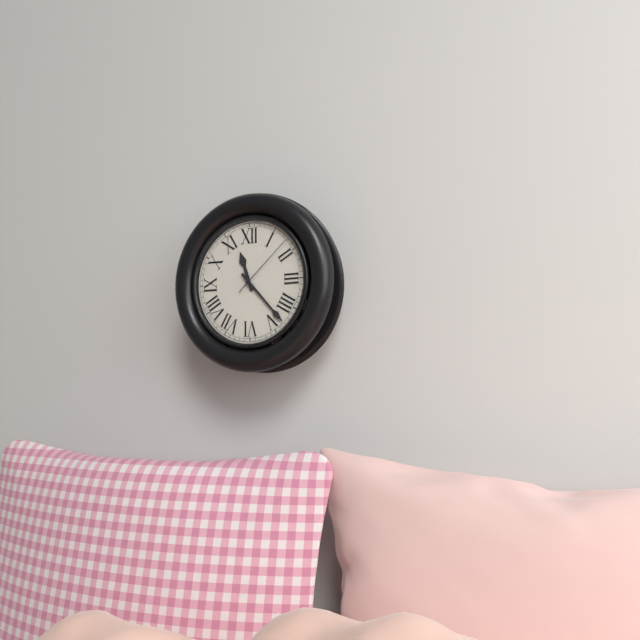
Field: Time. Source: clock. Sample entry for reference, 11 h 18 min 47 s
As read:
11 h 23 min 08 s
